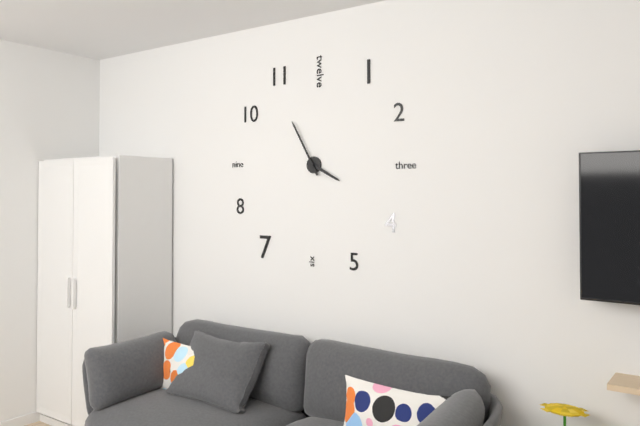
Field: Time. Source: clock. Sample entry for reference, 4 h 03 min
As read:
3 h 55 min
